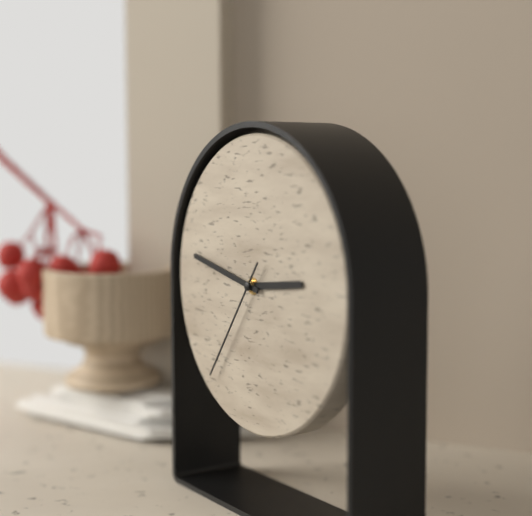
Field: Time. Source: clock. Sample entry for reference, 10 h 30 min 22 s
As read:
2 h 47 min 36 s
